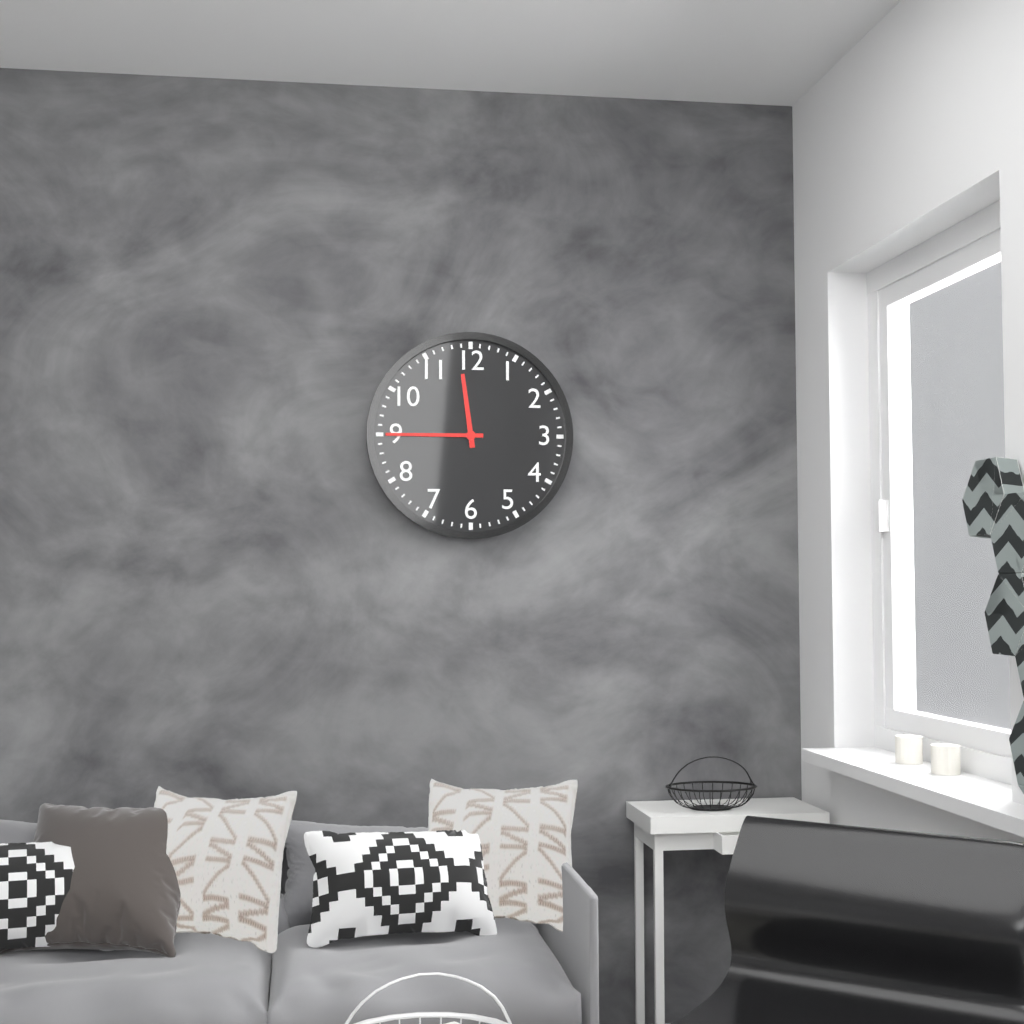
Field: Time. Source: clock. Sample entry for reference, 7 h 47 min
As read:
11 h 45 min
